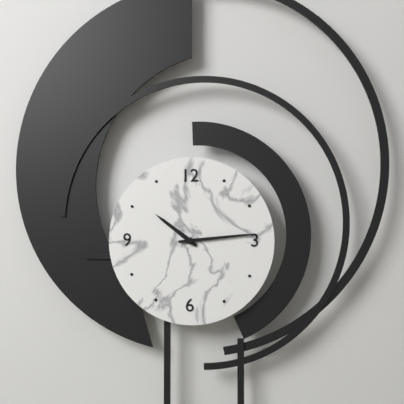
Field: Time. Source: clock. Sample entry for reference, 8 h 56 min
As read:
10 h 14 min
